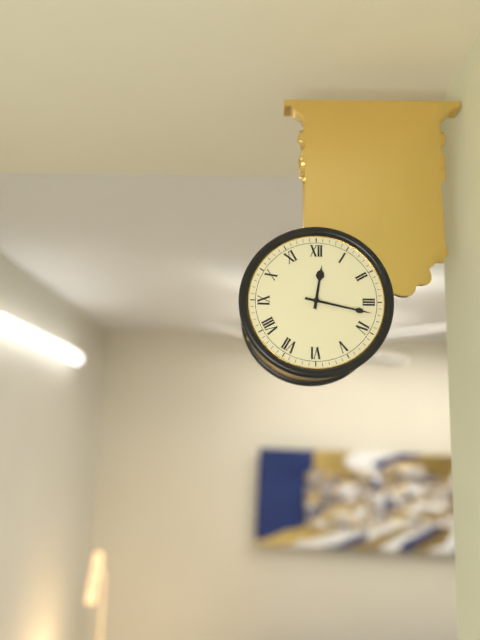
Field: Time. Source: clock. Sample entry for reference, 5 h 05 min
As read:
12 h 17 min
